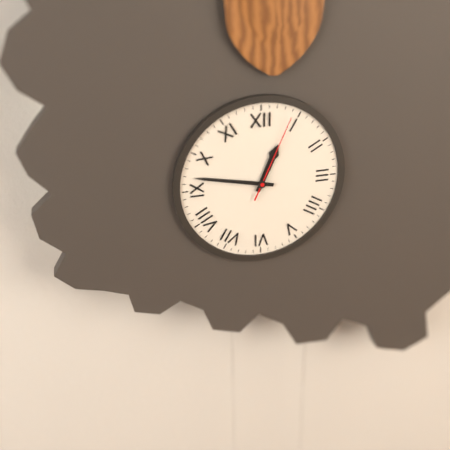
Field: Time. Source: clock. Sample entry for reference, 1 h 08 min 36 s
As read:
12 h 47 min 04 s
